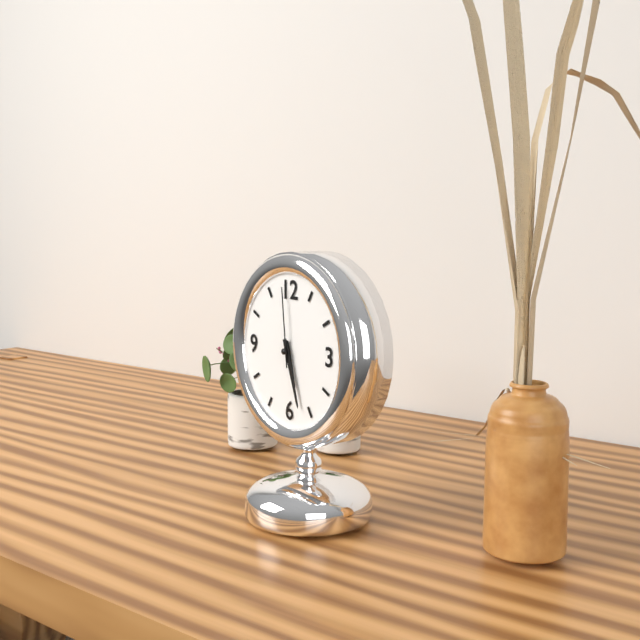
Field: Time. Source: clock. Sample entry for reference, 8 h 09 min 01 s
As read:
5 h 27 min 59 s
